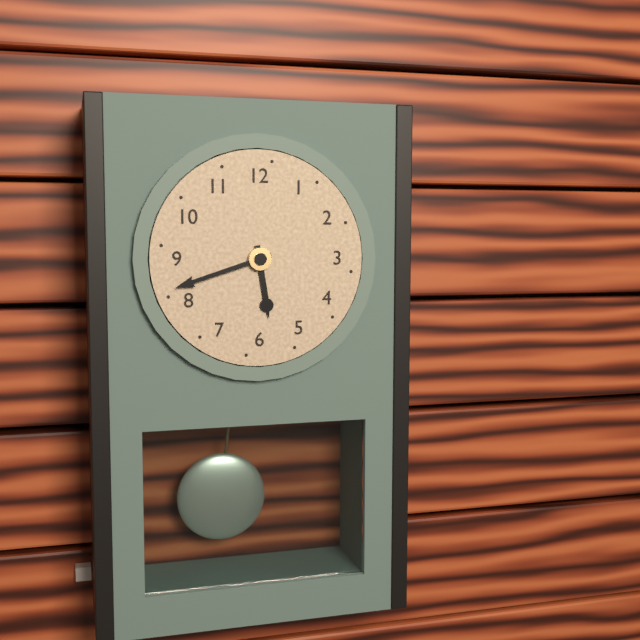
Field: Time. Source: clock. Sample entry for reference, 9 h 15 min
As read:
5 h 42 min
